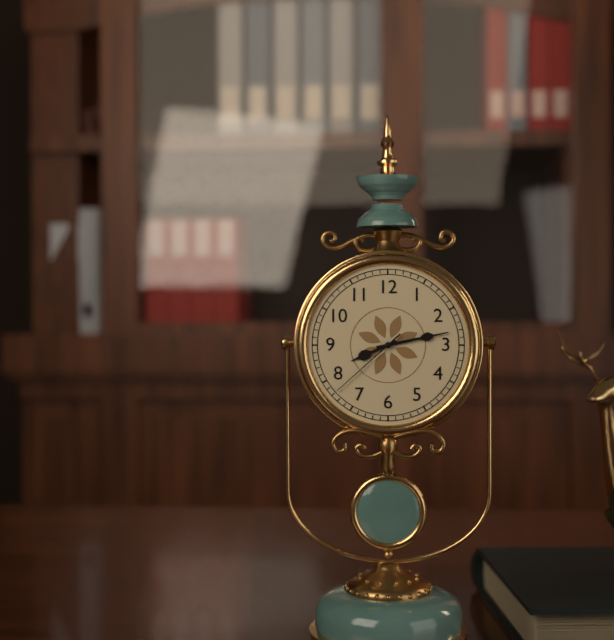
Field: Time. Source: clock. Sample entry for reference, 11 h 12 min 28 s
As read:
8 h 13 min 38 s
